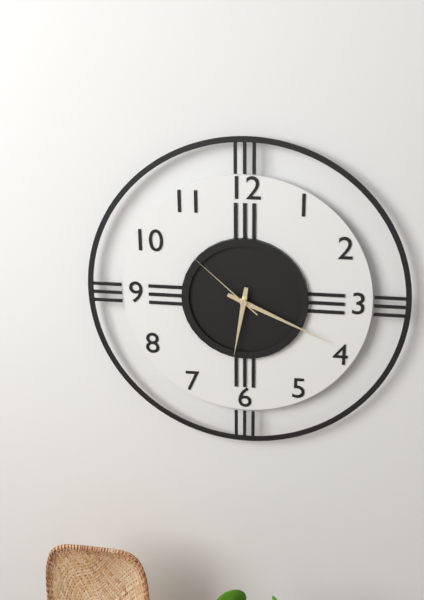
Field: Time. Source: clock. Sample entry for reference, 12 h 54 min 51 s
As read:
6 h 19 min 52 s
